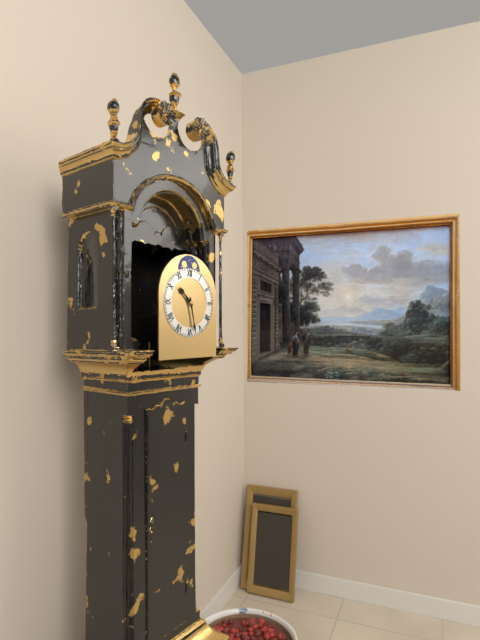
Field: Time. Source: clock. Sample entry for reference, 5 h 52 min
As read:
10 h 28 min
